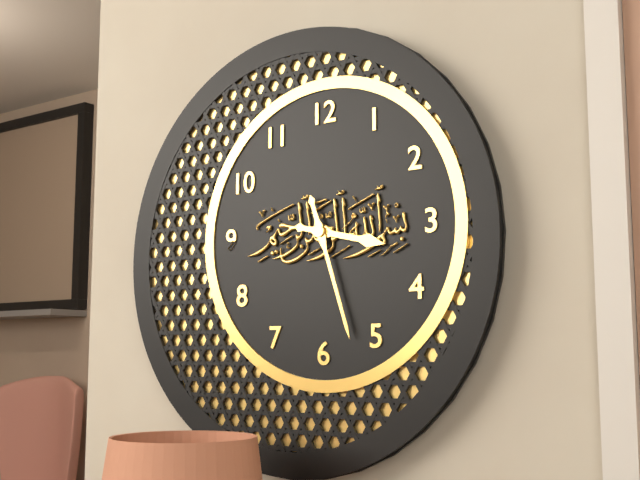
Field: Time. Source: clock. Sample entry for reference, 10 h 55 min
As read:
3 h 27 min
